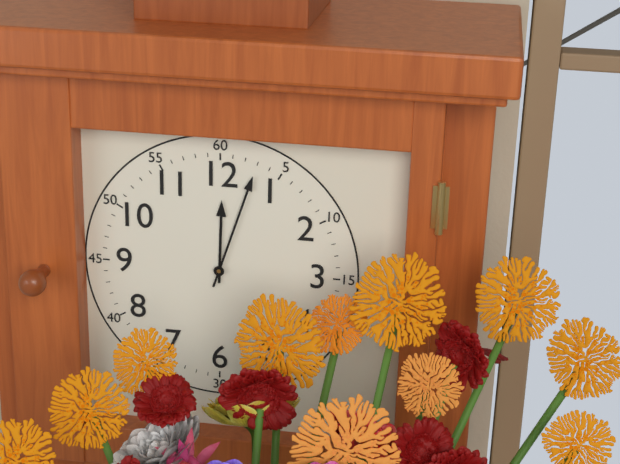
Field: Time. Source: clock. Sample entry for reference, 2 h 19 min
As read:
12 h 03 min
